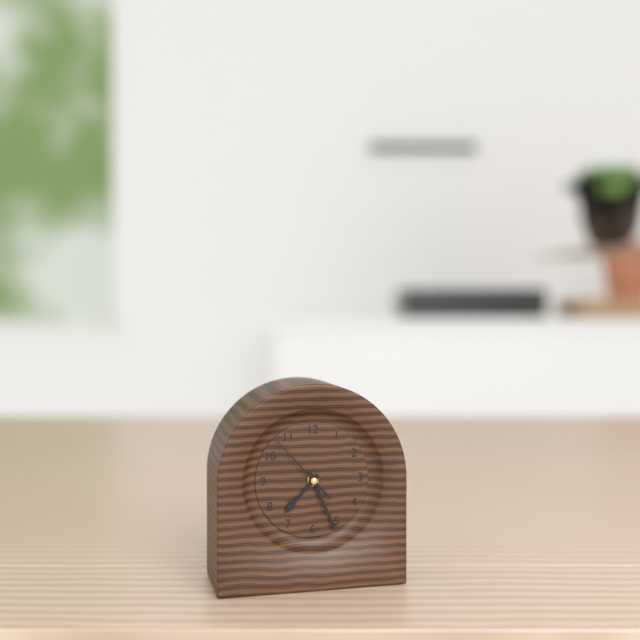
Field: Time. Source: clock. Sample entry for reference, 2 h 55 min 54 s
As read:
7 h 26 min 53 s
